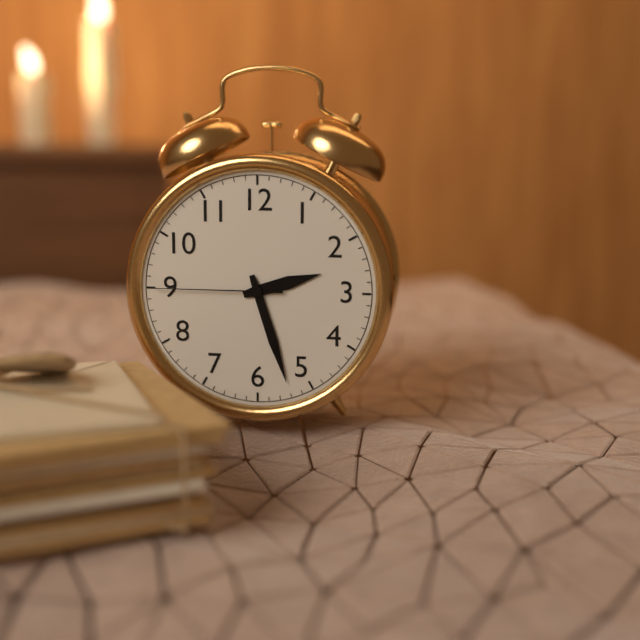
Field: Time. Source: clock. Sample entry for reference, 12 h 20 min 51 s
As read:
2 h 27 min 45 s
